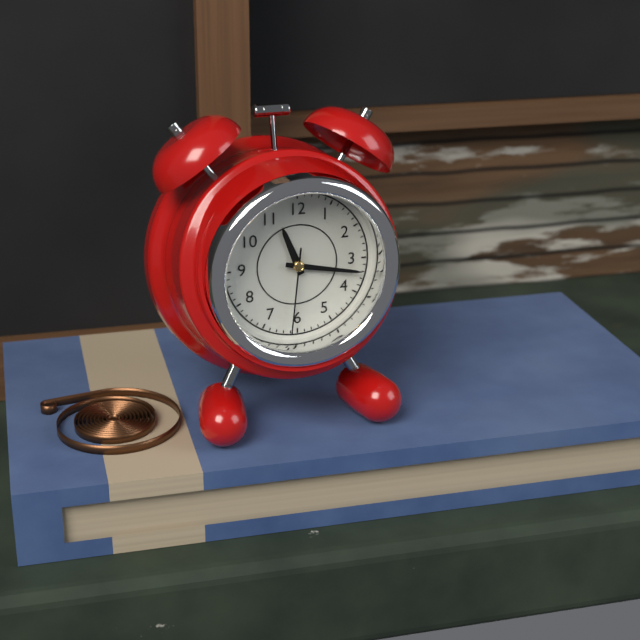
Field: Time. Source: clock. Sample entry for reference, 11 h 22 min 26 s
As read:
11 h 17 min 31 s
